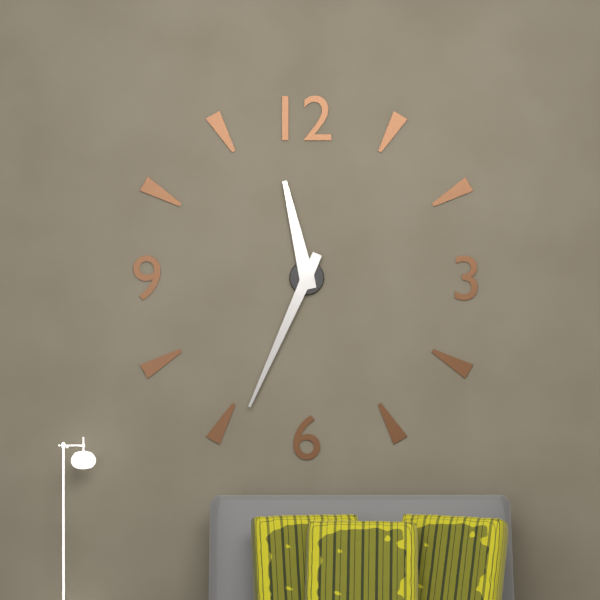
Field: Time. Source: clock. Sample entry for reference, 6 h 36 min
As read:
11 h 34 min
